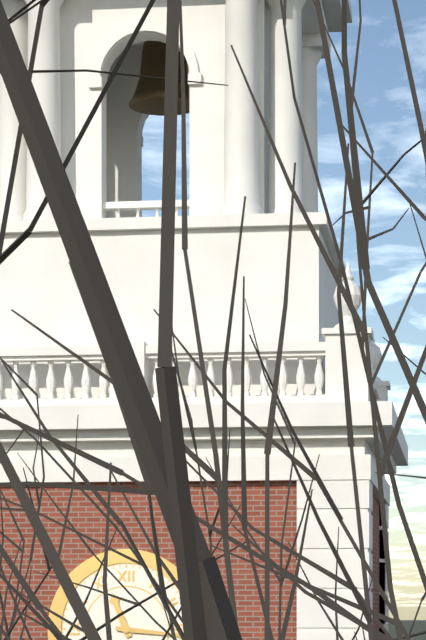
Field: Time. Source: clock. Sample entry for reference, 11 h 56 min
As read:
11 h 16 min
